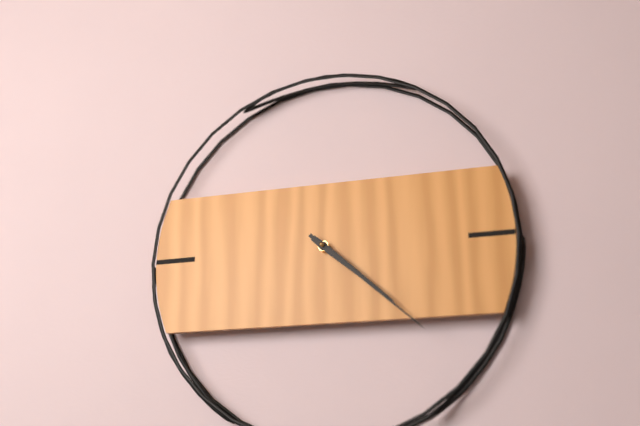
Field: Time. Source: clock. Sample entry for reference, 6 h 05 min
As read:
4 h 22 min
